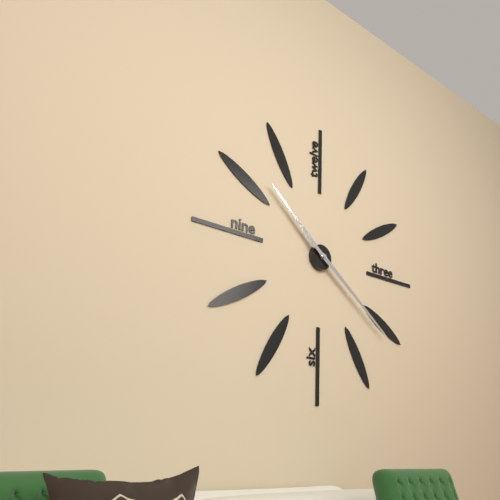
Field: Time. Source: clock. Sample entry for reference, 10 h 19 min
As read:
10 h 21 min
